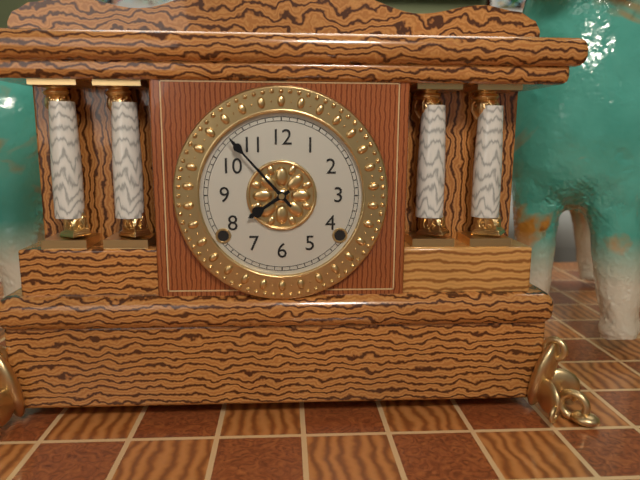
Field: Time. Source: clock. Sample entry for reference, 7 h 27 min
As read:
7 h 53 min
